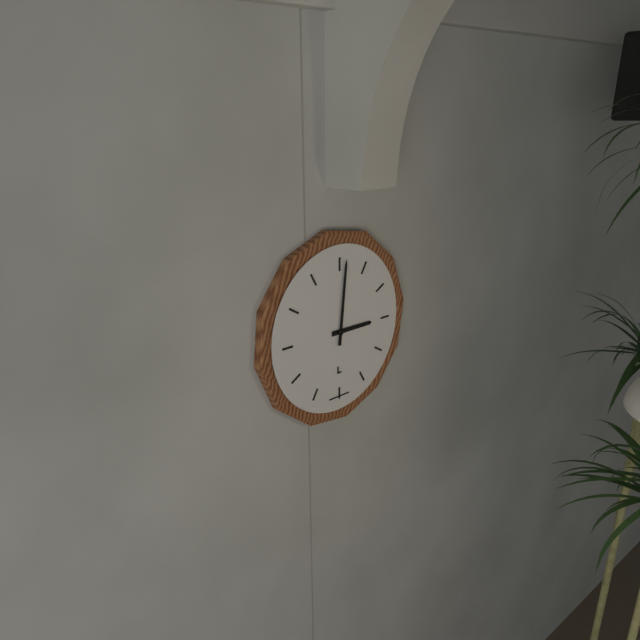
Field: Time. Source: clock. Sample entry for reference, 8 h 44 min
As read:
3 h 01 min
